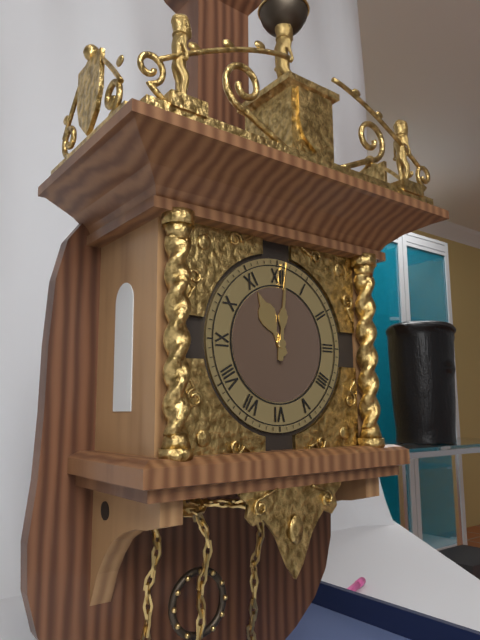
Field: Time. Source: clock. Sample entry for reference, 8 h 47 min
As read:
11 h 01 min
